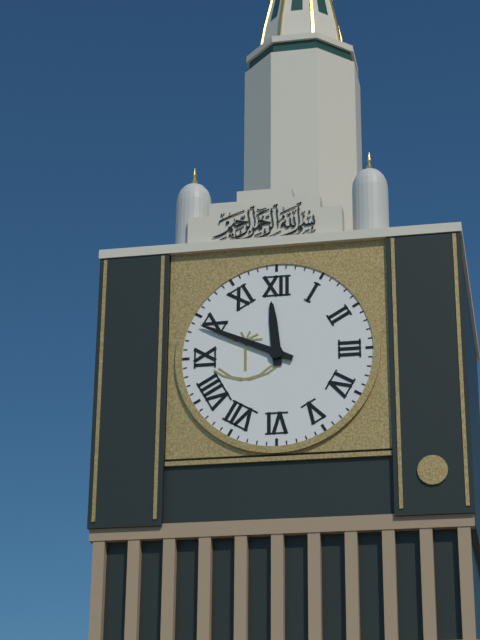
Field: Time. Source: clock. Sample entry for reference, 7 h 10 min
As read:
11 h 49 min
